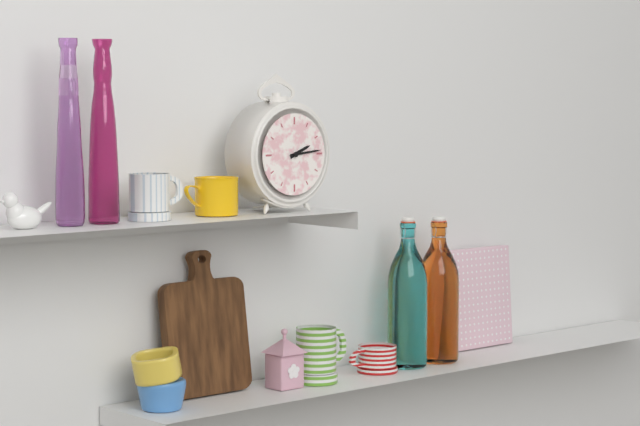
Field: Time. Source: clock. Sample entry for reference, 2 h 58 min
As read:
2 h 14 min
